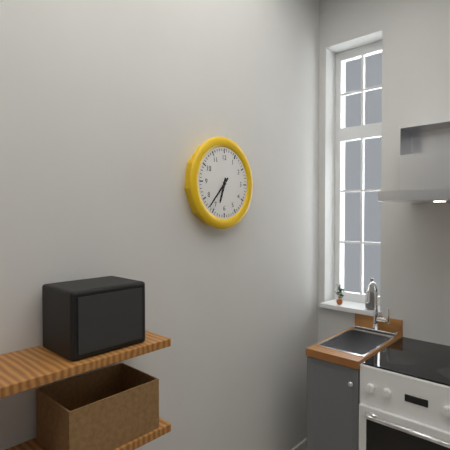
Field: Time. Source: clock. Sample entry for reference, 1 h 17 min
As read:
6 h 37 min
